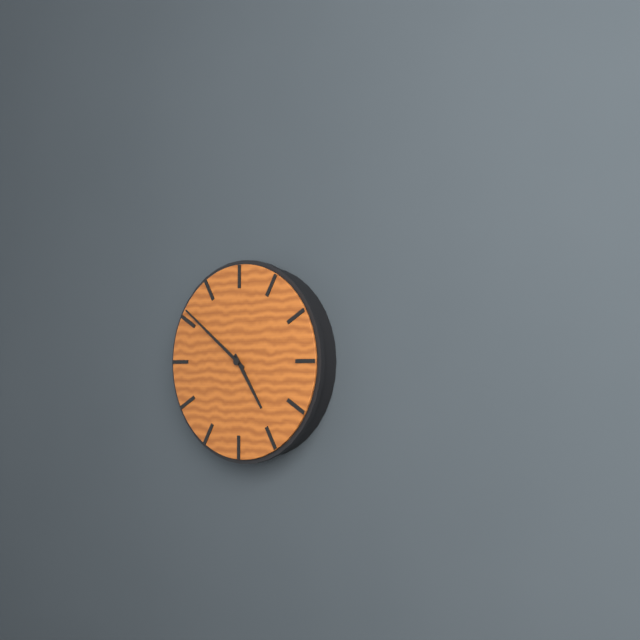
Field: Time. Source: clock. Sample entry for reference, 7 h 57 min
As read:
4 h 51 min
